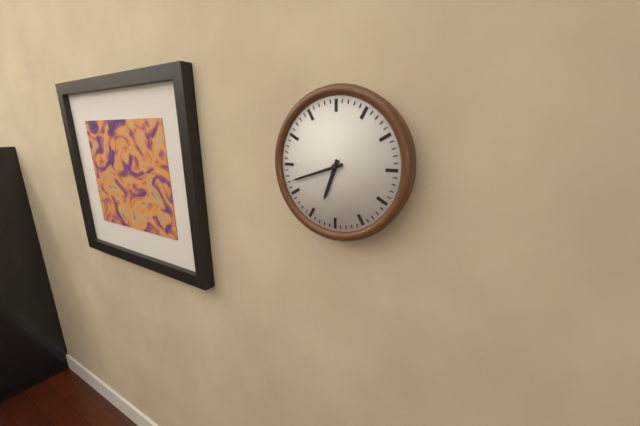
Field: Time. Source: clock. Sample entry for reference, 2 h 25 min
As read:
6 h 42 min
